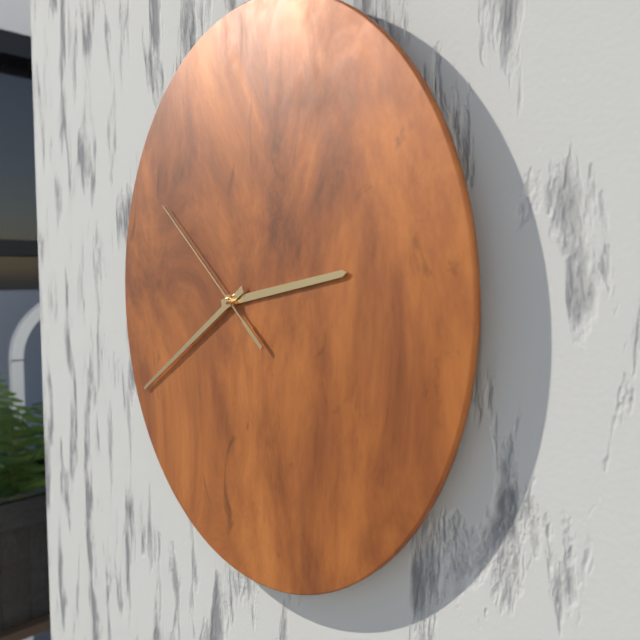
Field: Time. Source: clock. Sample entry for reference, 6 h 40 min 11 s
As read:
2 h 40 min 51 s
